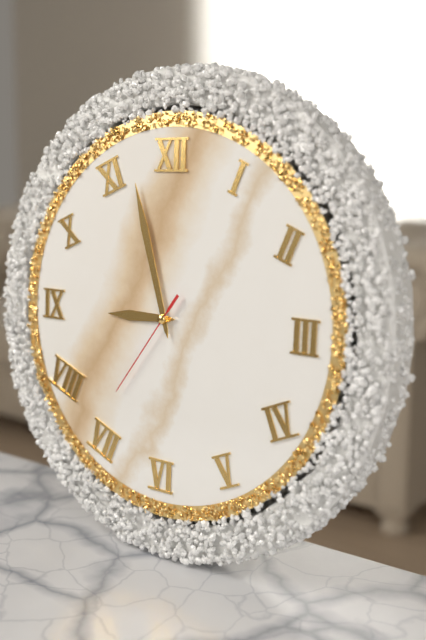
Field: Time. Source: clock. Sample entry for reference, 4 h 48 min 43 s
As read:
8 h 57 min 36 s
